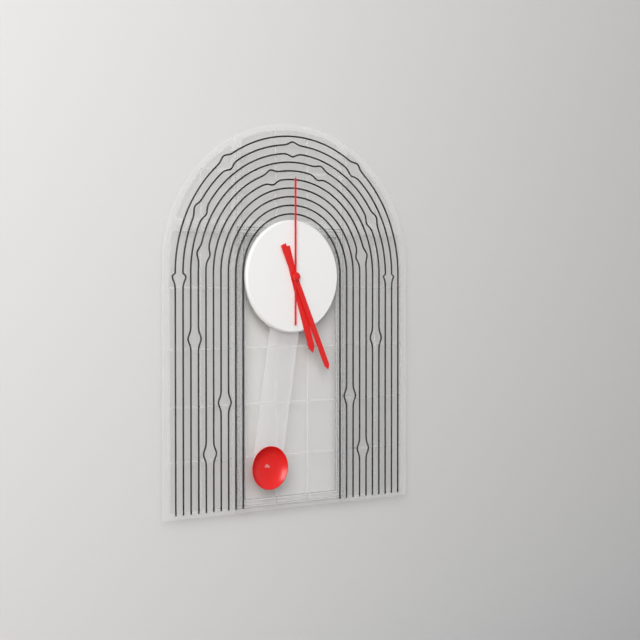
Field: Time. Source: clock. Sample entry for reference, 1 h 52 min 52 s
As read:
5 h 26 min 00 s
